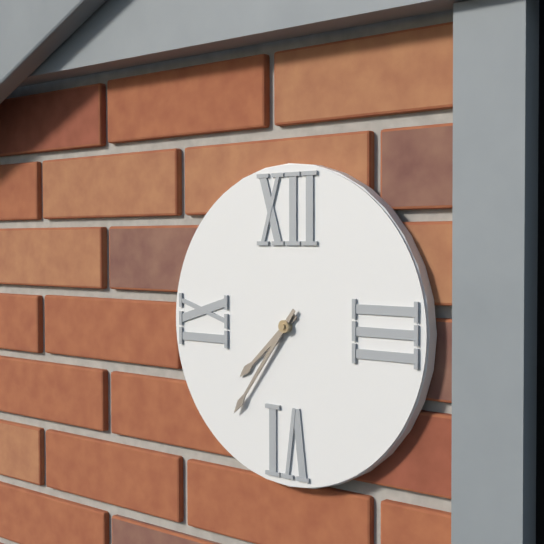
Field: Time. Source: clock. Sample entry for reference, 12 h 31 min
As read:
7 h 36 min
